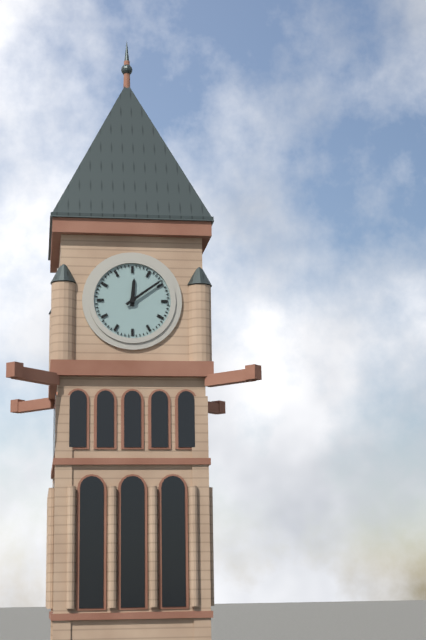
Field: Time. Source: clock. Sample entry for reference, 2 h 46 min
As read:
12 h 09 min
